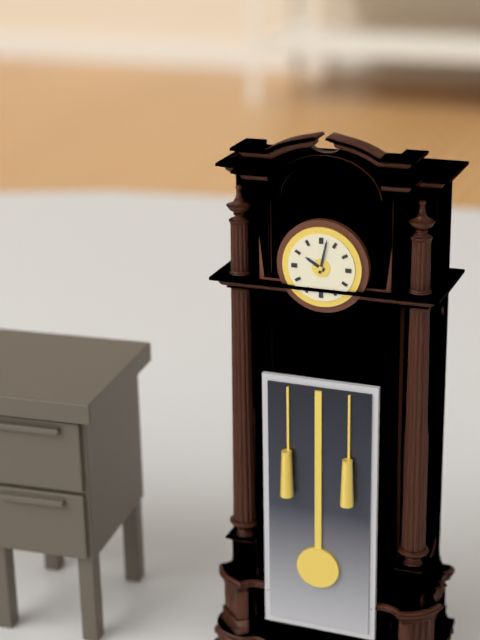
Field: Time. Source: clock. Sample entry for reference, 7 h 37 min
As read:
10 h 02 min
